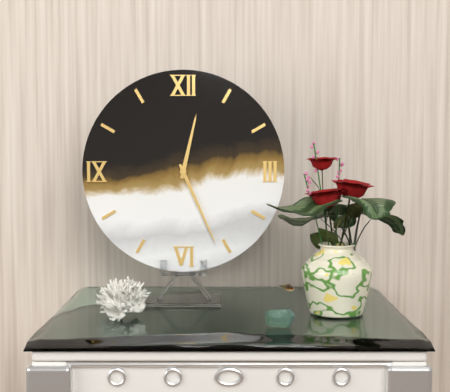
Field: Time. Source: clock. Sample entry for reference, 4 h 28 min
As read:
12 h 26 min
